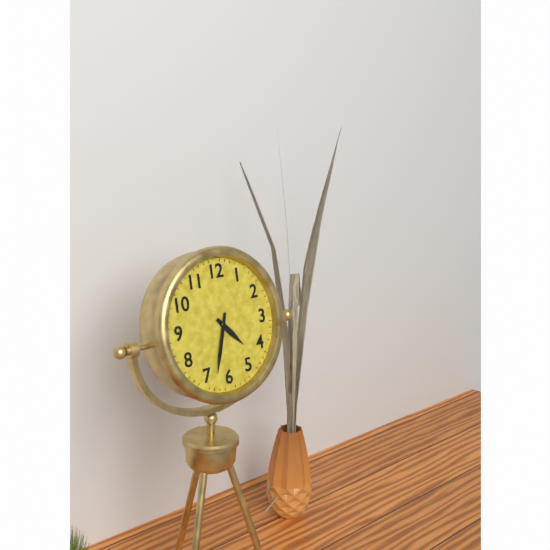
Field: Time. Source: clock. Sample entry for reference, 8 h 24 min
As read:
4 h 33 min
